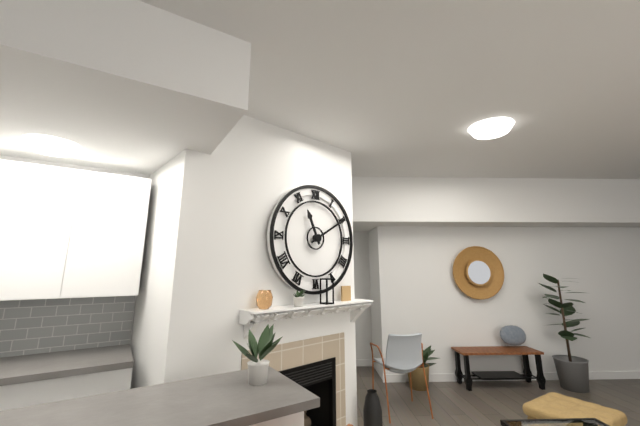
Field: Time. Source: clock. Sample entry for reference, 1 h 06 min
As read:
11 h 10 min
